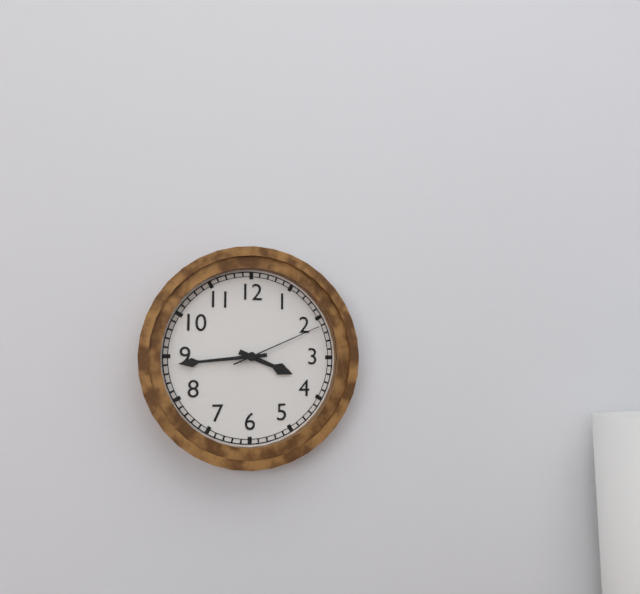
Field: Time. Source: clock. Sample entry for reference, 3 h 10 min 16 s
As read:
3 h 44 min 11 s
